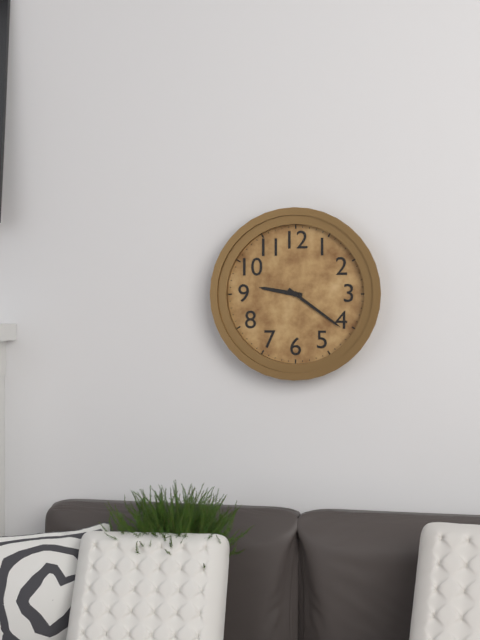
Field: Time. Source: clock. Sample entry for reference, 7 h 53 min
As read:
9 h 21 min
